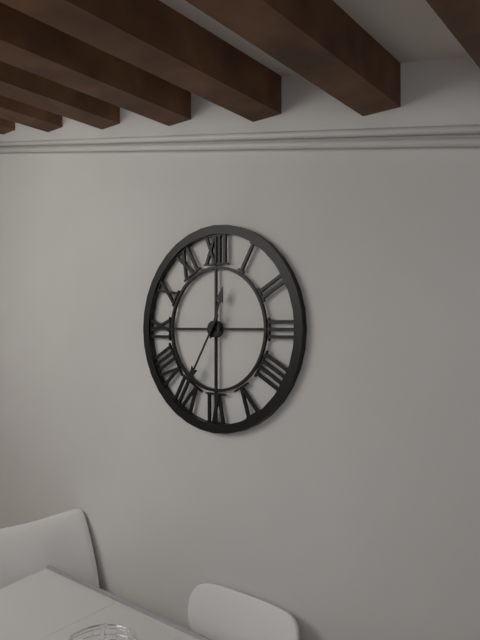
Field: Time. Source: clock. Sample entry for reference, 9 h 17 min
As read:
12 h 35 min
